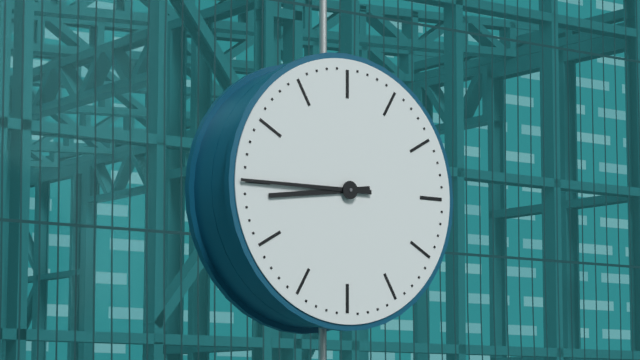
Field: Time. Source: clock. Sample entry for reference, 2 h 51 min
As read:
8 h 45 min
